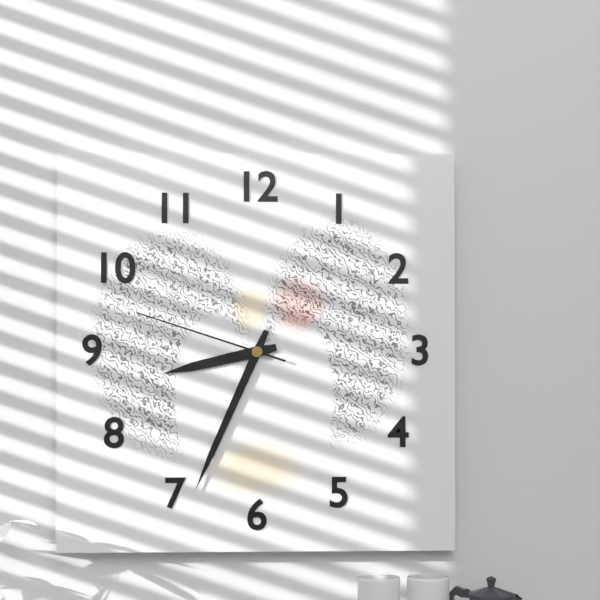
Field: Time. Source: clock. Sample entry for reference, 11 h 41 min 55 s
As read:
8 h 34 min 48 s
